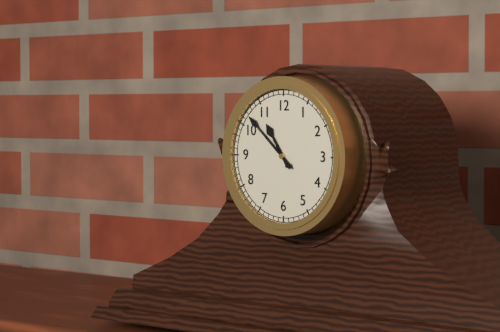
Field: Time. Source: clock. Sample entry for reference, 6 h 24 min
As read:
10 h 52 min
